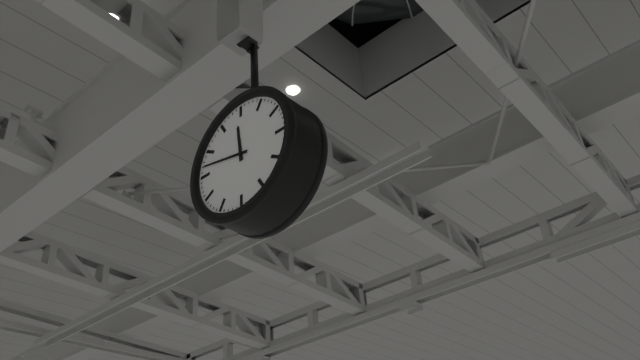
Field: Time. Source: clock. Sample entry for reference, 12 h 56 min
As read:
11 h 47 min
